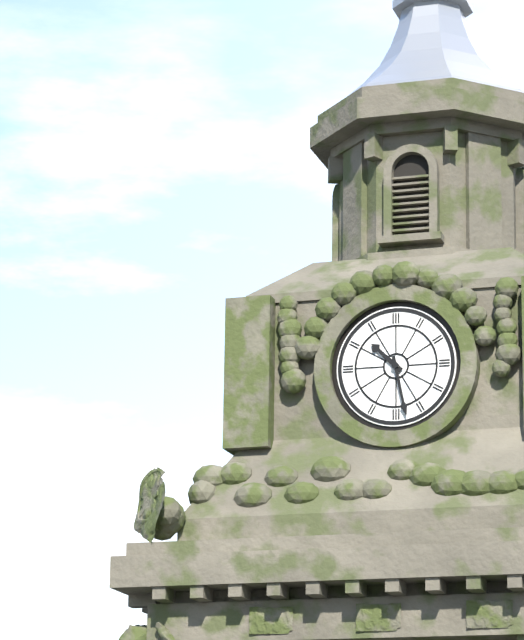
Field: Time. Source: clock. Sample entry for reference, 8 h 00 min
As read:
10 h 28 min
